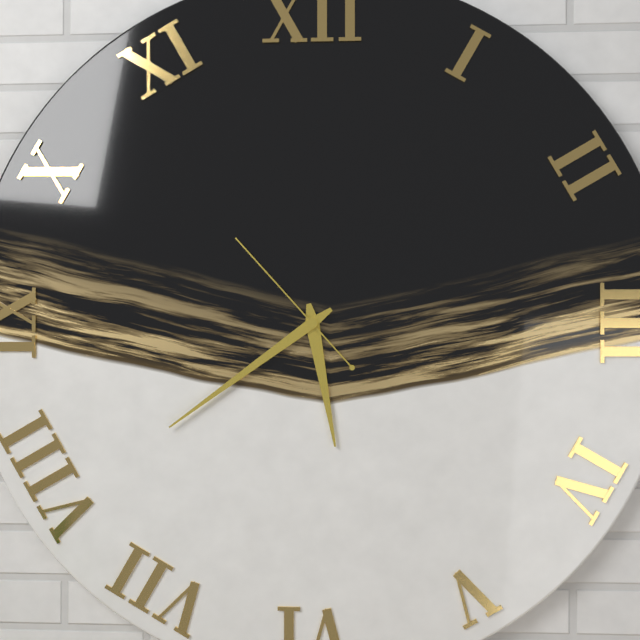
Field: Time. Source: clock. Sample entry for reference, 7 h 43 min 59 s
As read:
5 h 39 min 53 s
